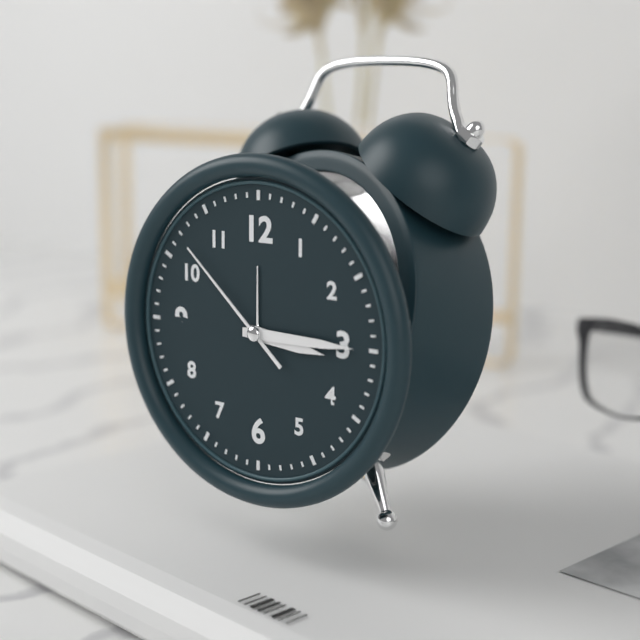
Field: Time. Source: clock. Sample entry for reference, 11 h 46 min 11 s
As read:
3 h 15 min 52 s
